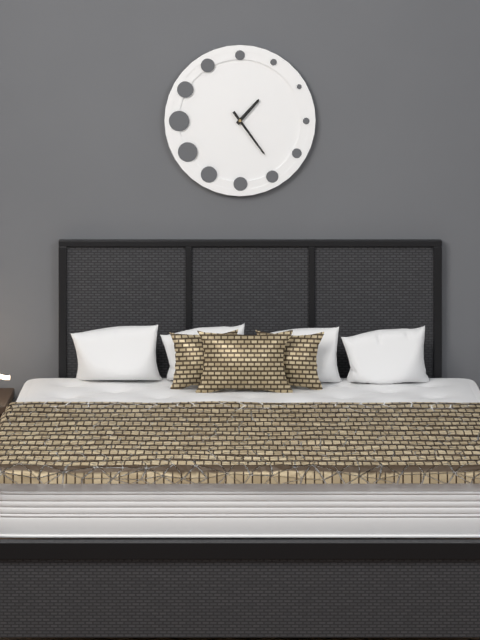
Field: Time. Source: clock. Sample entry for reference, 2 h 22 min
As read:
1 h 24 min
